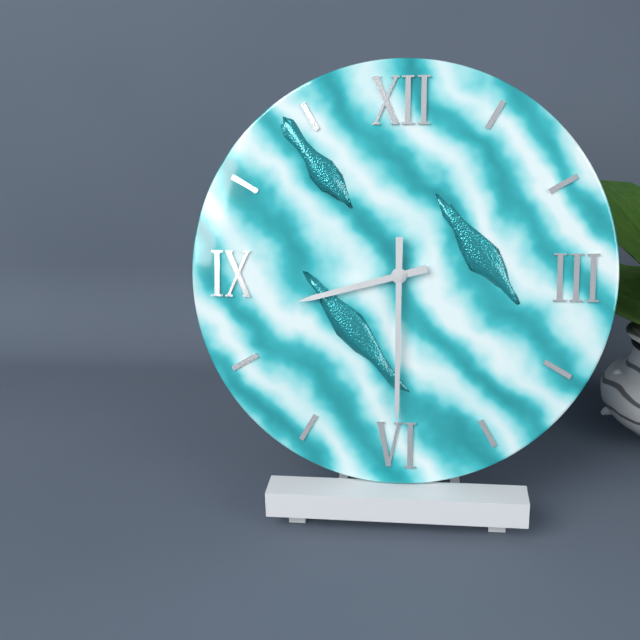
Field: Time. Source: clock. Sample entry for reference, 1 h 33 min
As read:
8 h 30 min
